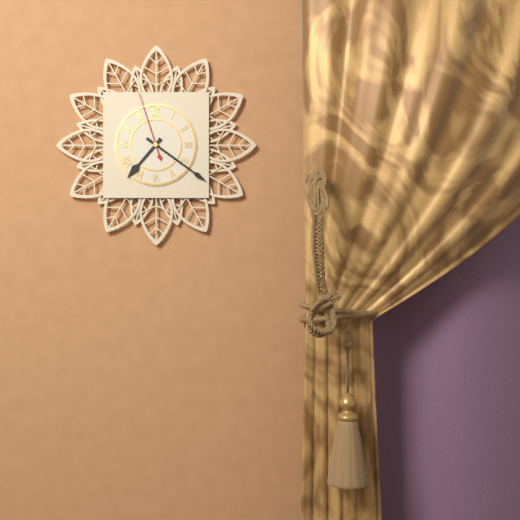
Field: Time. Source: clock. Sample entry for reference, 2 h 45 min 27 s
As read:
7 h 21 min 57 s
